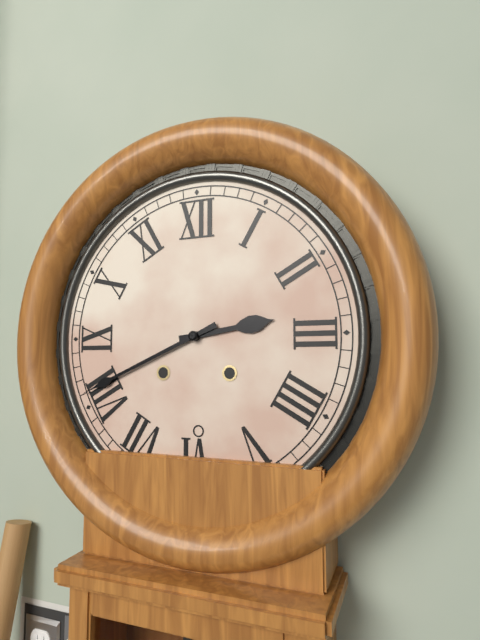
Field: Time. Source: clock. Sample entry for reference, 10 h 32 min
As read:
2 h 41 min
